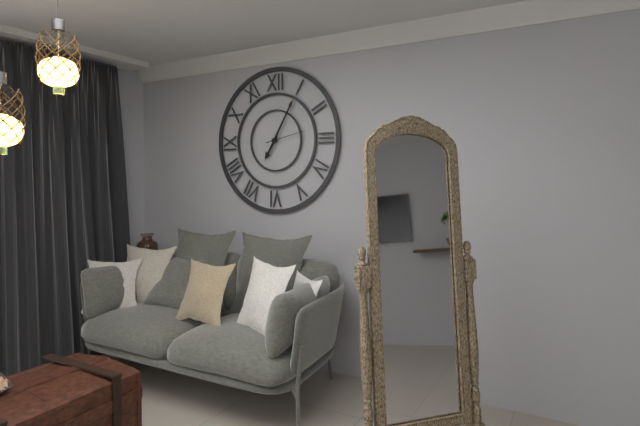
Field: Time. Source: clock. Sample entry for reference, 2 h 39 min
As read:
7 h 05 min
